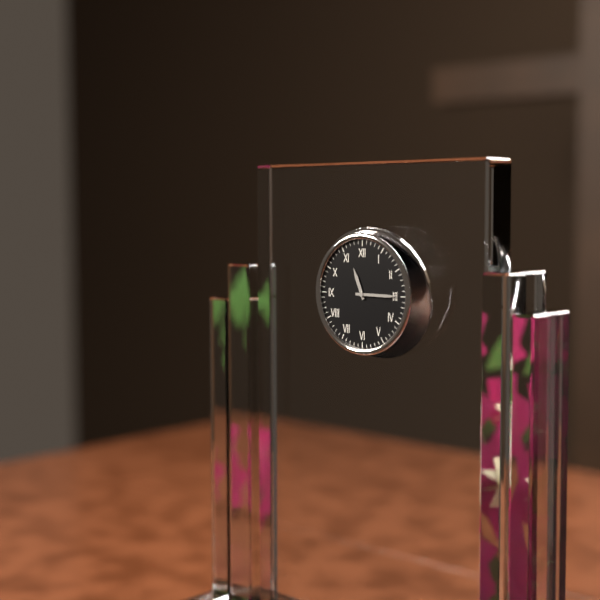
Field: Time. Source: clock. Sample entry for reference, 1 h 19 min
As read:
11 h 15 min
